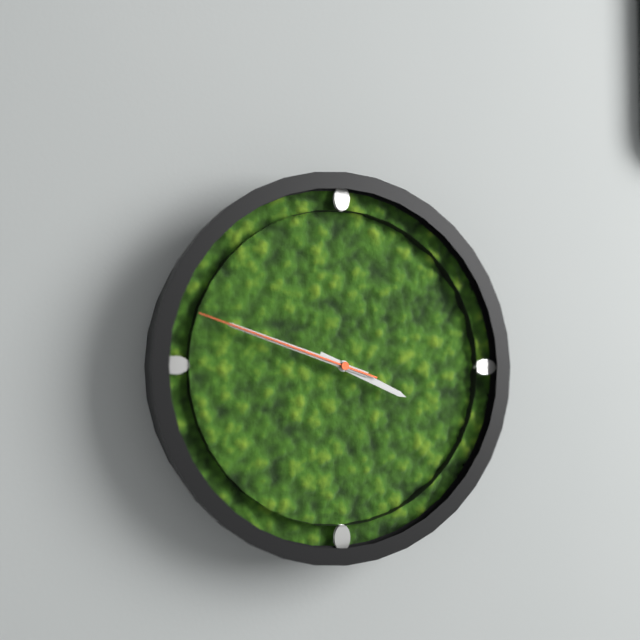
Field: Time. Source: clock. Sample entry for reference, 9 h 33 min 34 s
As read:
3 h 48 min 48 s
